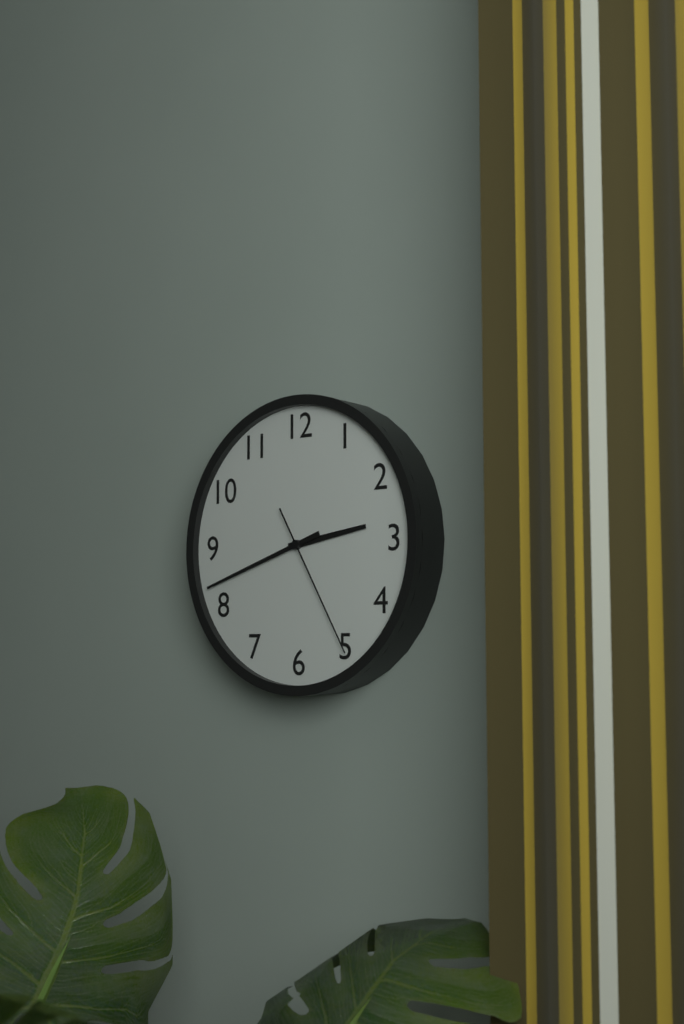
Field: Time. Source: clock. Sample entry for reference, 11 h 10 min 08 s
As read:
2 h 42 min 25 s
